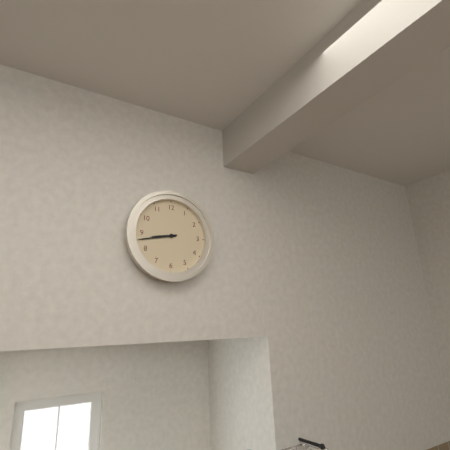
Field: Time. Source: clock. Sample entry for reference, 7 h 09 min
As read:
8 h 43 min
